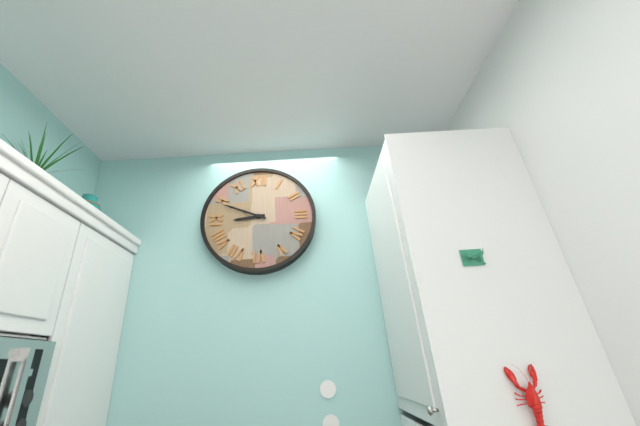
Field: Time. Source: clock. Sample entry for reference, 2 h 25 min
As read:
8 h 49 min
